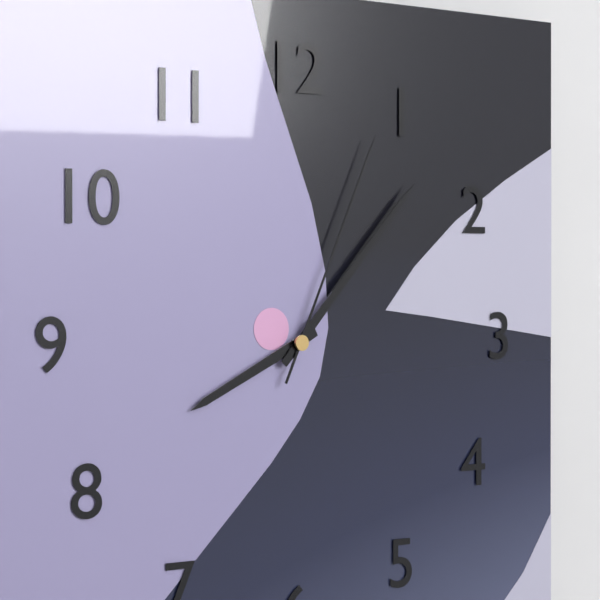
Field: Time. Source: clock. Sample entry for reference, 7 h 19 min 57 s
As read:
8 h 07 min 04 s
